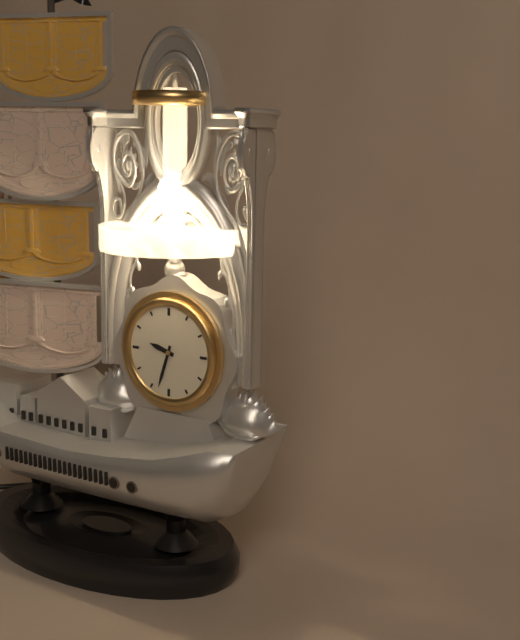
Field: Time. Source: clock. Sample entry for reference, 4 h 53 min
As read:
9 h 33 min
